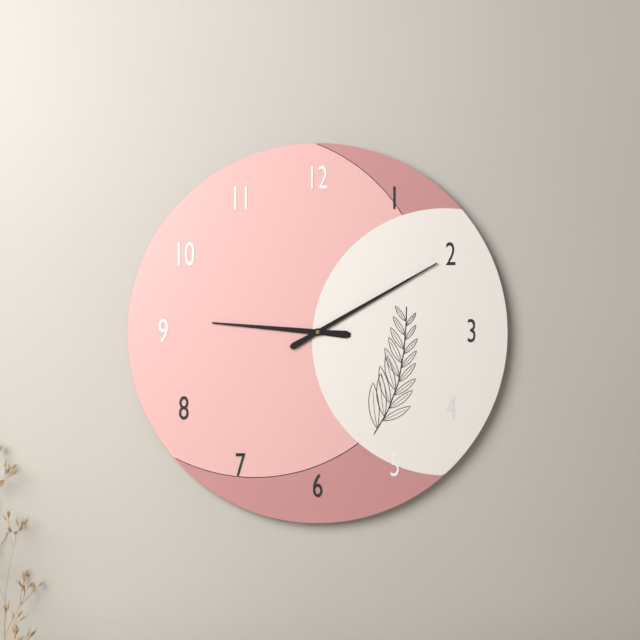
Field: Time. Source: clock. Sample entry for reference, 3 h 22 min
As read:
9 h 10 min
